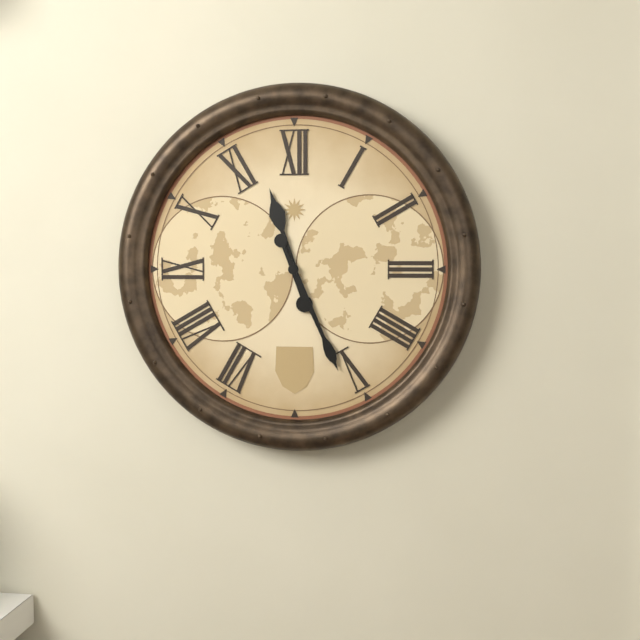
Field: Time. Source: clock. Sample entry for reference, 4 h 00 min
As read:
11 h 26 min
